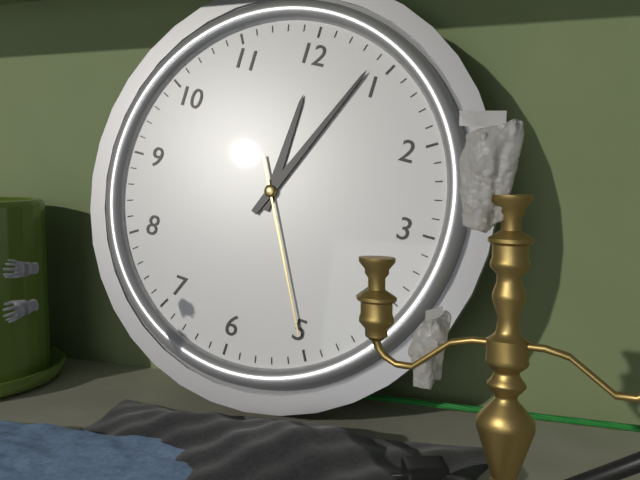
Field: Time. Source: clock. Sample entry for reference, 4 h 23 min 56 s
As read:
12 h 04 min 25 s
